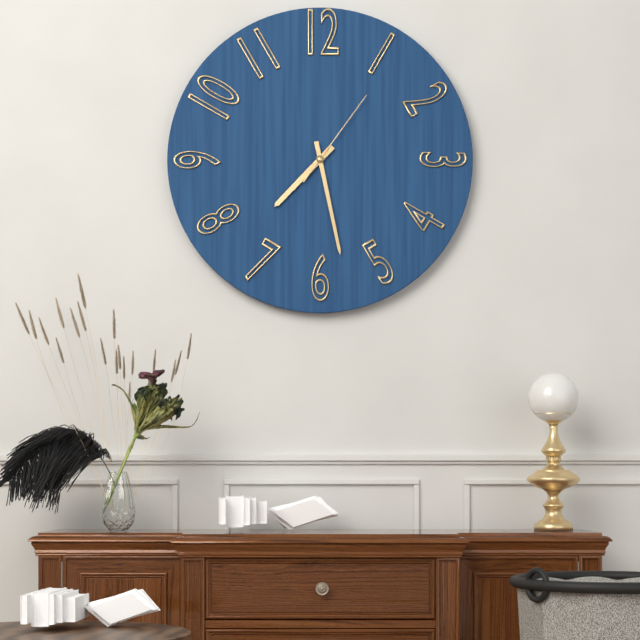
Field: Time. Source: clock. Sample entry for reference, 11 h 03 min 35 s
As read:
7 h 28 min 06 s
